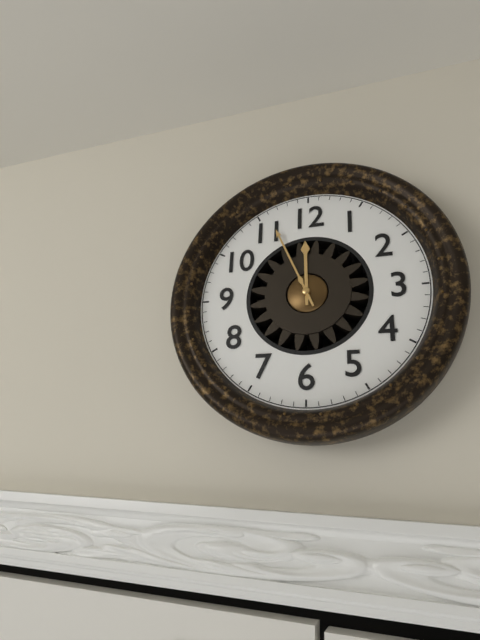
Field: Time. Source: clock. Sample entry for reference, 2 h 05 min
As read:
11 h 56 min
